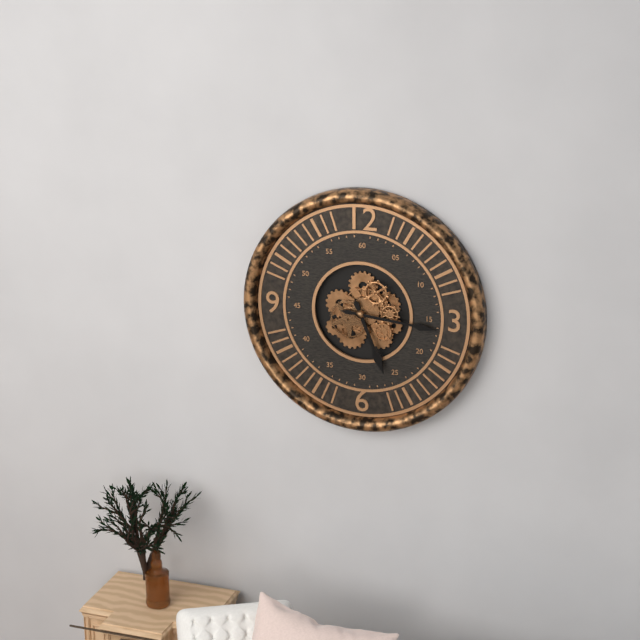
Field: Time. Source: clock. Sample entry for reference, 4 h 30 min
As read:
5 h 16 min
